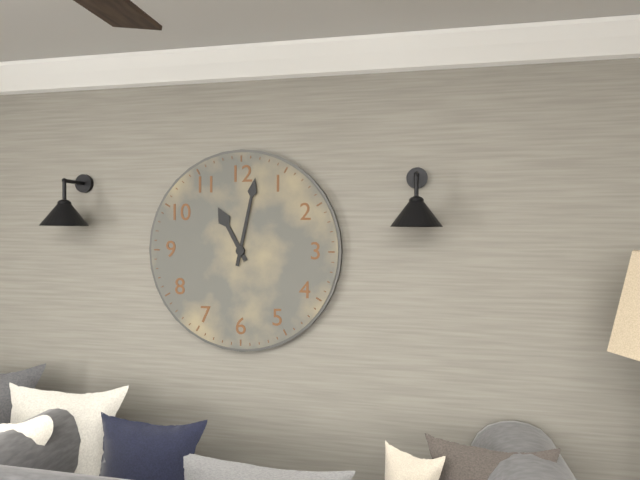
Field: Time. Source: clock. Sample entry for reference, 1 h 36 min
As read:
11 h 02 min
